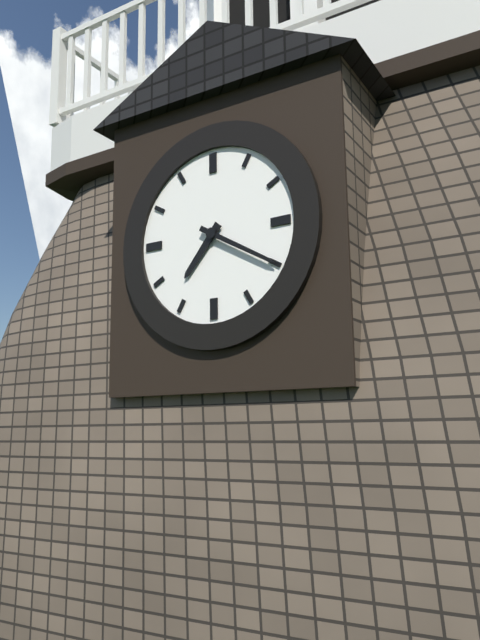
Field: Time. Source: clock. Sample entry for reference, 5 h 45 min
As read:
7 h 20 min
